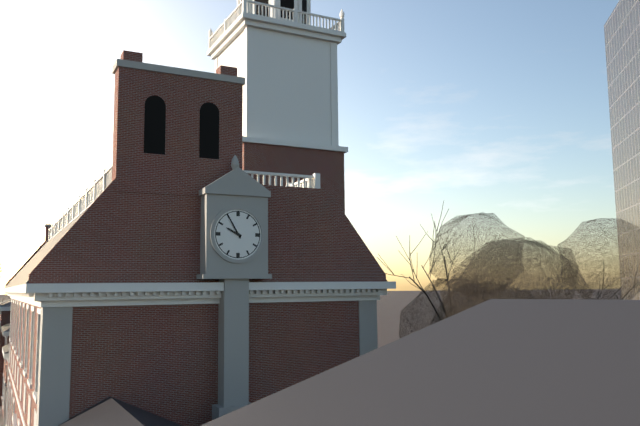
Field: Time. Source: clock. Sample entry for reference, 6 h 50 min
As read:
9 h 55 min
